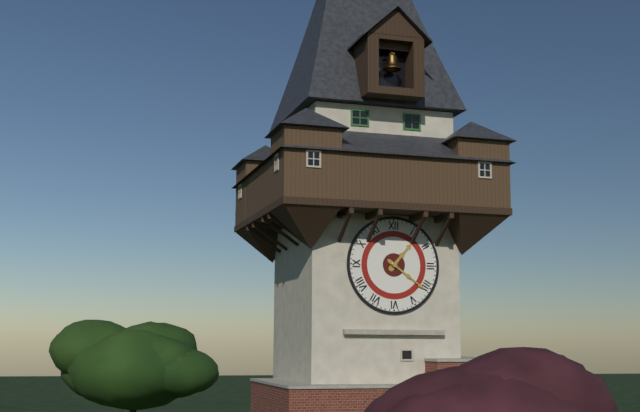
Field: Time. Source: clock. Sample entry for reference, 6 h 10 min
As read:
1 h 21 min
